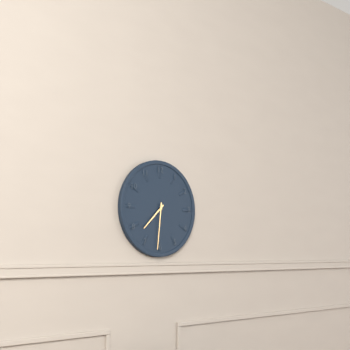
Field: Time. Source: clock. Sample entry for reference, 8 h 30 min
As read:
7 h 31 min
